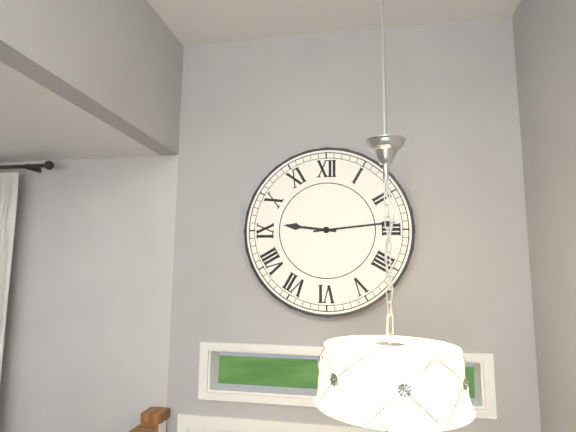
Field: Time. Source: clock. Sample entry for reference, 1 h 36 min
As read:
9 h 14 min
